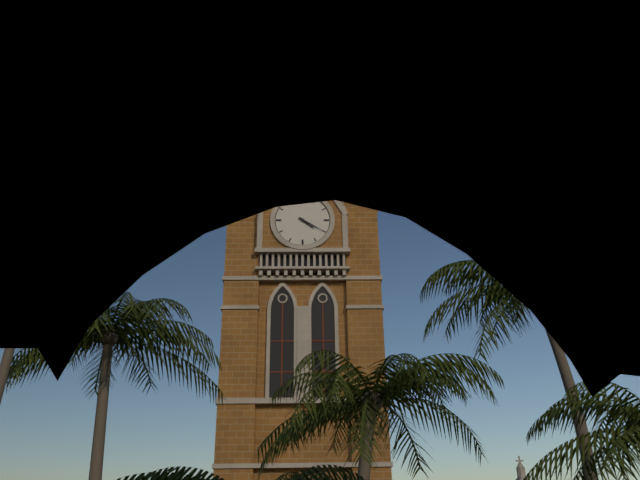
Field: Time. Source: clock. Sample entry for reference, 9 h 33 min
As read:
4 h 20 min
